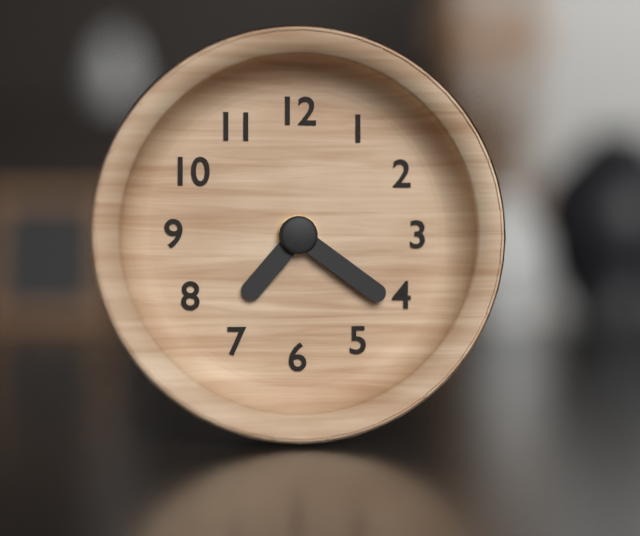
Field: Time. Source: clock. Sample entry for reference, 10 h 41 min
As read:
7 h 21 min
